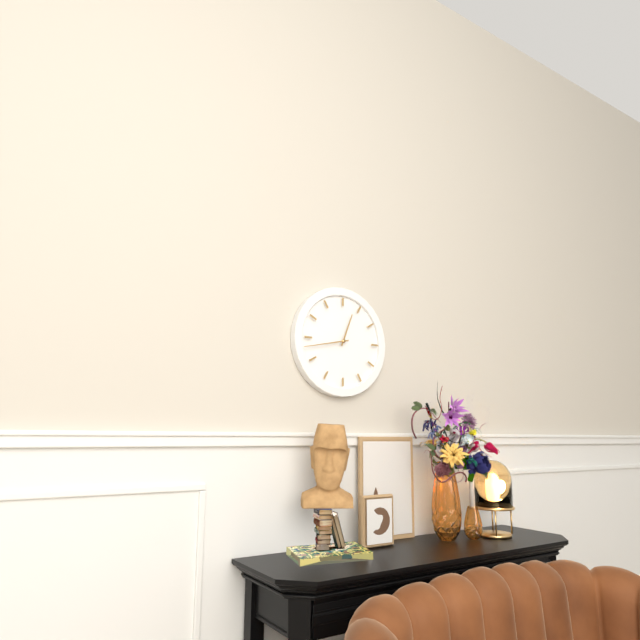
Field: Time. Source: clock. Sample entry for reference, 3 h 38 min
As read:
12 h 43 min
